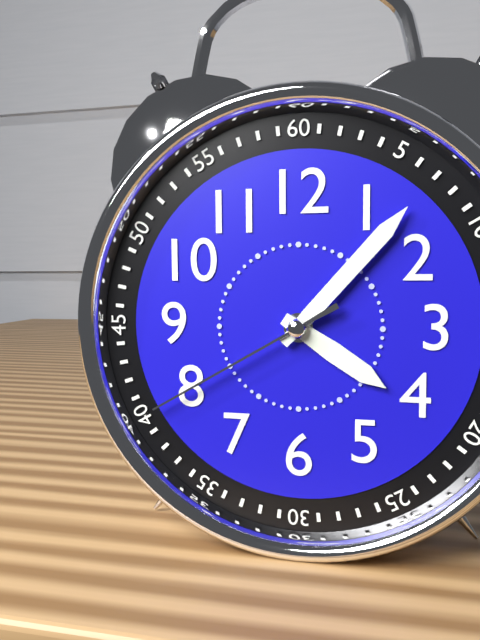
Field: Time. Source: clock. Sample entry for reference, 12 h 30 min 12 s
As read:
4 h 07 min 40 s
